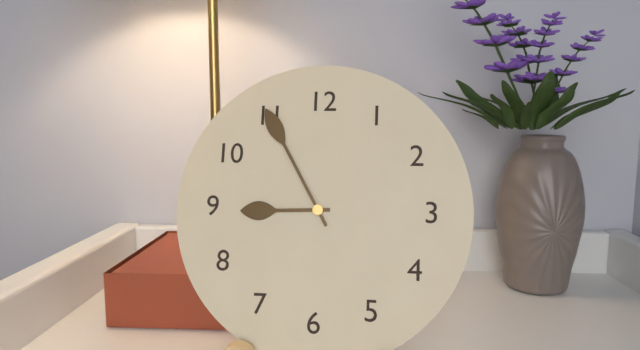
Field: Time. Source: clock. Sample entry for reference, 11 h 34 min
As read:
8 h 55 min
